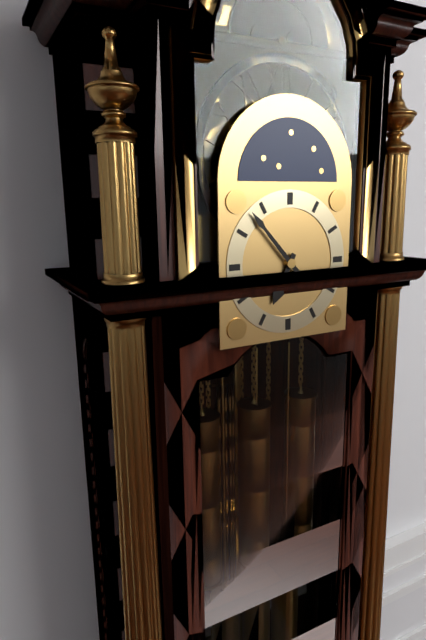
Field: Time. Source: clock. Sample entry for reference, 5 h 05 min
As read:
6 h 53 min
